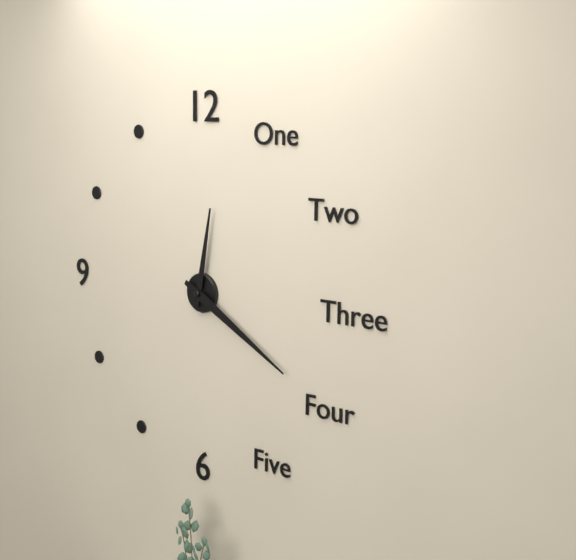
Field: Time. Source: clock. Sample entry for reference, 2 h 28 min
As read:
12 h 20 min
